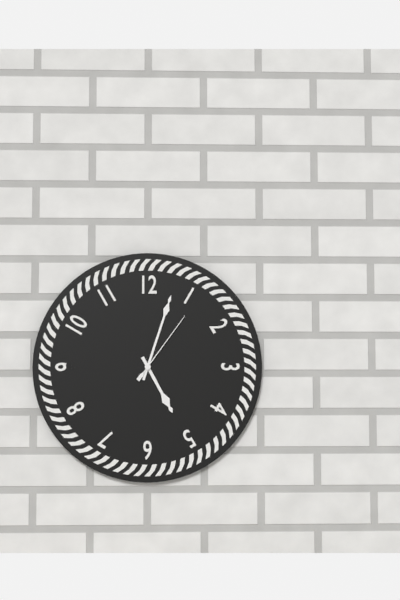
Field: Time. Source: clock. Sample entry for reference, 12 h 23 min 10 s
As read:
5 h 03 min 06 s
